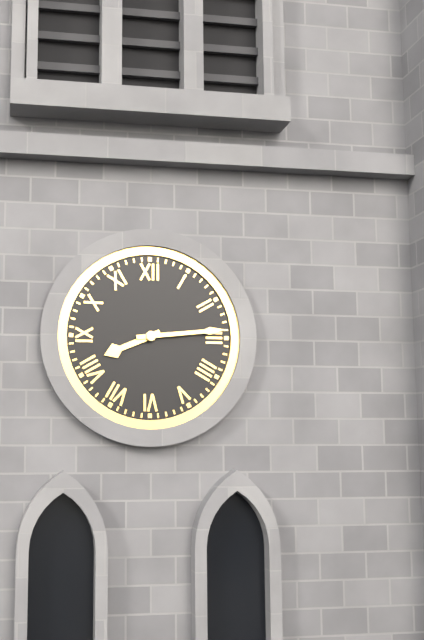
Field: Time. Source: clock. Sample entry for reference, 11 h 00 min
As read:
8 h 14 min
